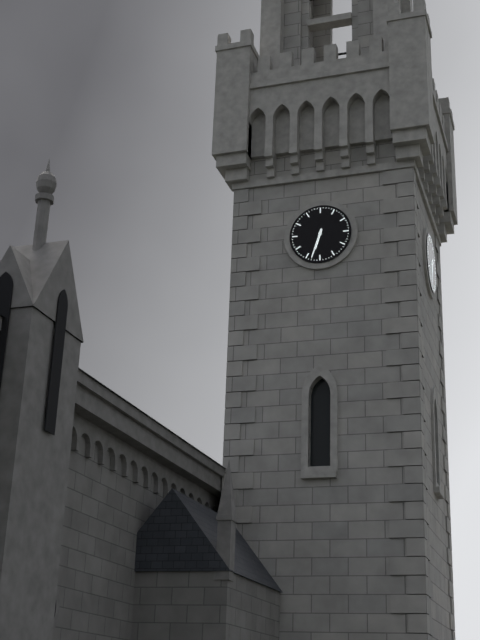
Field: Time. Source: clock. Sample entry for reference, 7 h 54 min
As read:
6 h 33 min
